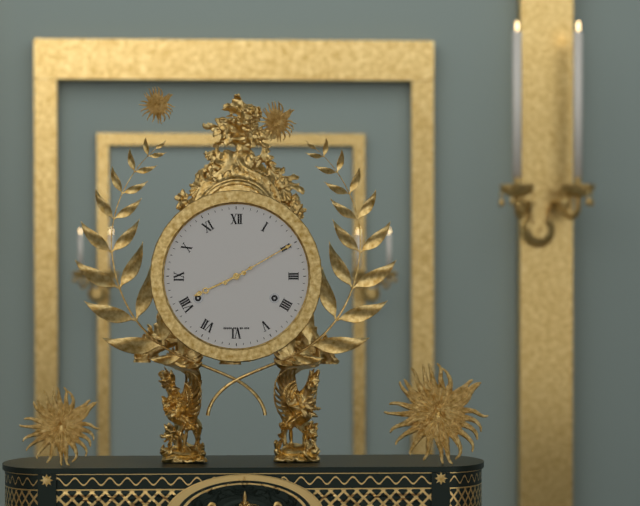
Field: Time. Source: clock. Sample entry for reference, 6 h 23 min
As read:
8 h 10 min
